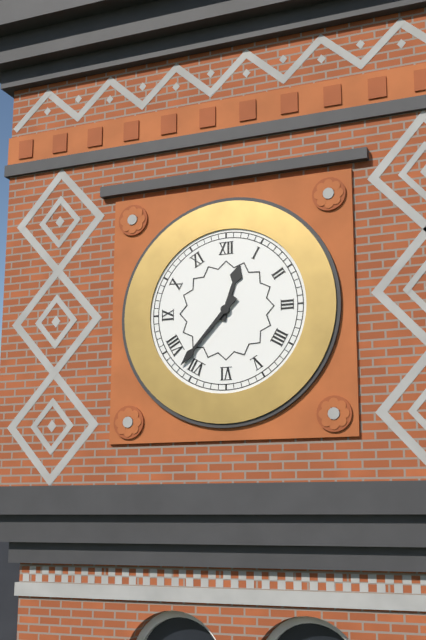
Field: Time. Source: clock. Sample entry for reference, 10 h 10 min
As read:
12 h 37 min
